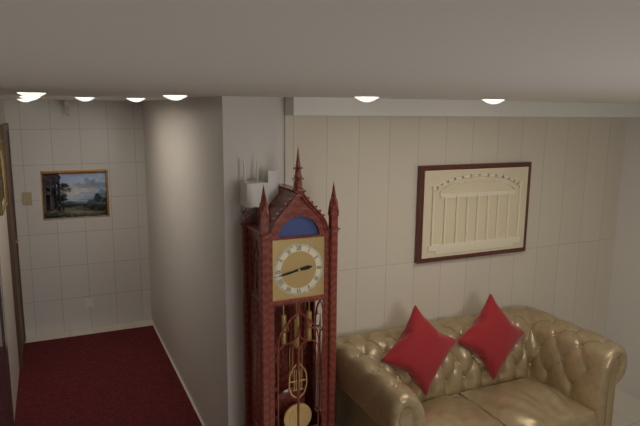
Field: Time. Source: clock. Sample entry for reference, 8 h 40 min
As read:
2 h 43 min
